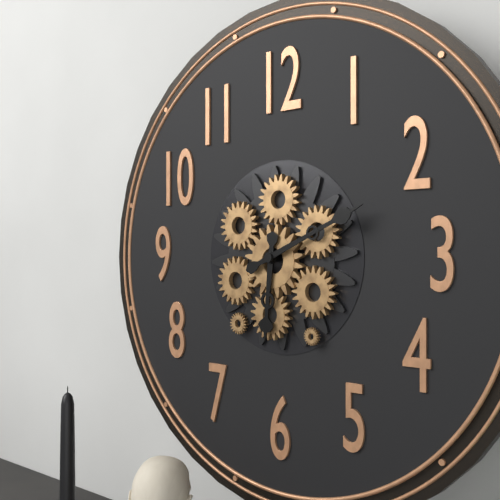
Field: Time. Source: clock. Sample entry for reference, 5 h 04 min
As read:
6 h 11 min
